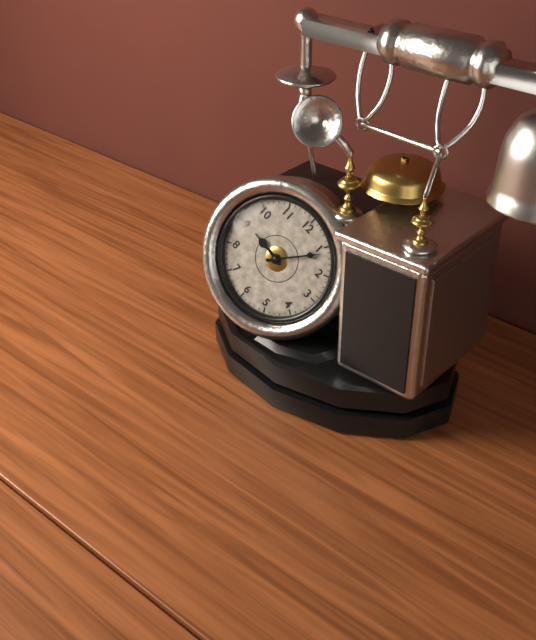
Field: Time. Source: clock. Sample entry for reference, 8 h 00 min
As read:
9 h 06 min
